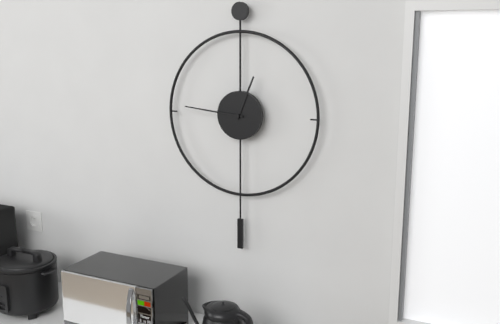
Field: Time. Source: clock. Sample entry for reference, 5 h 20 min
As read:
12 h 46 min
